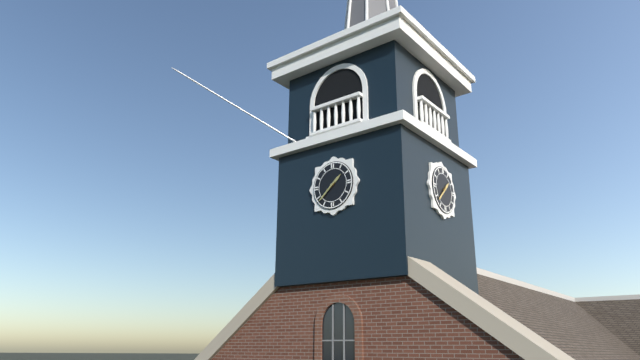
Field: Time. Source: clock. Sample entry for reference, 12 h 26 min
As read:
1 h 38 min
